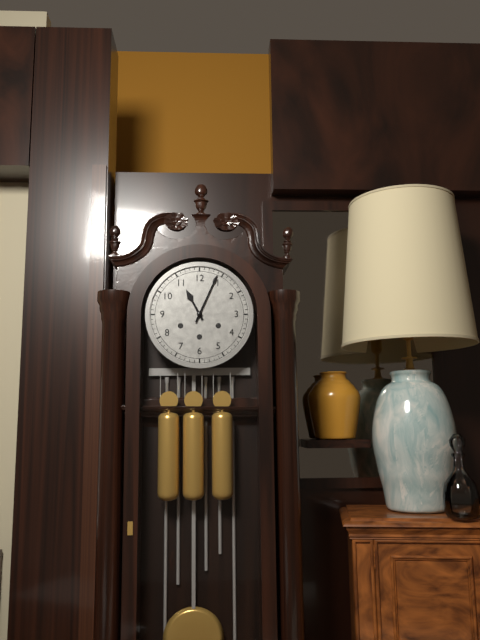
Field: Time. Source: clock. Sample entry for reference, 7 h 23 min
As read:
11 h 04 min
